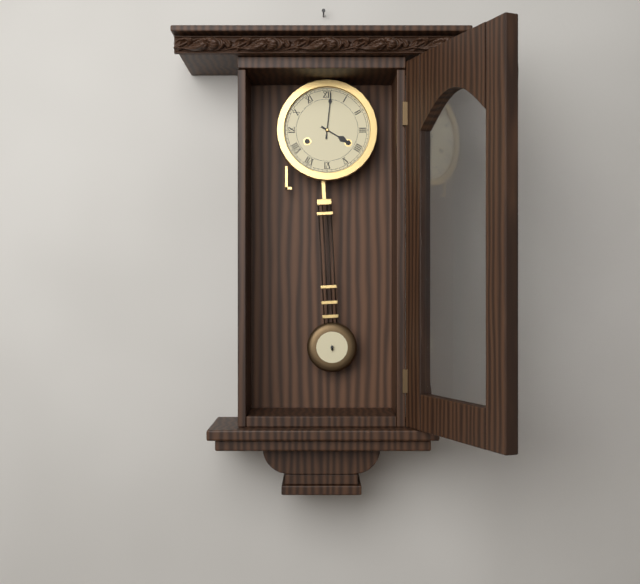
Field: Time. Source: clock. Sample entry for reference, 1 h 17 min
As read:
4 h 01 min
